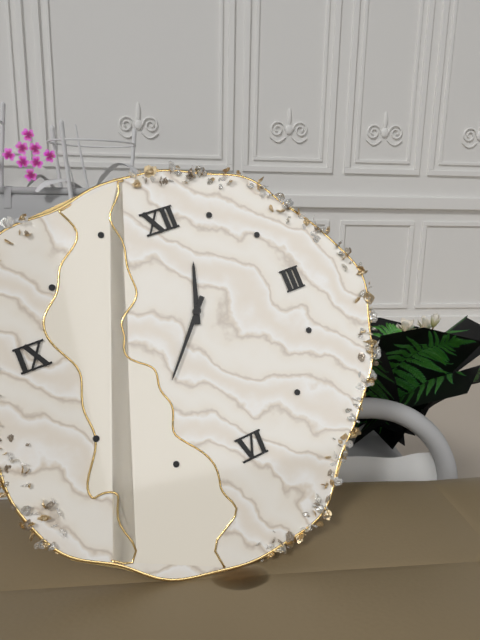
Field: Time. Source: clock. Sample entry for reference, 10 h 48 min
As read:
12 h 37 min
